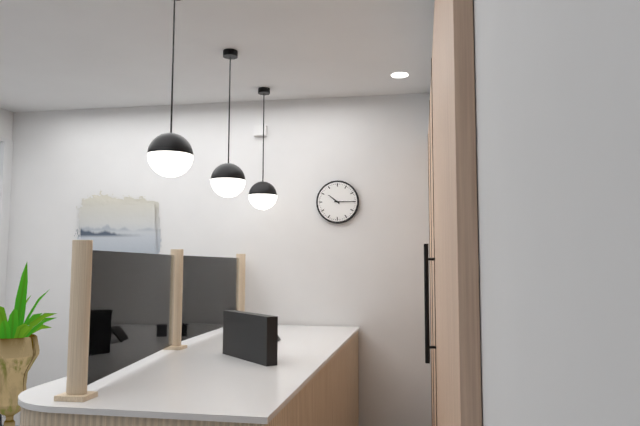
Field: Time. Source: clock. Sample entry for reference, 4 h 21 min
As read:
10 h 15 min
